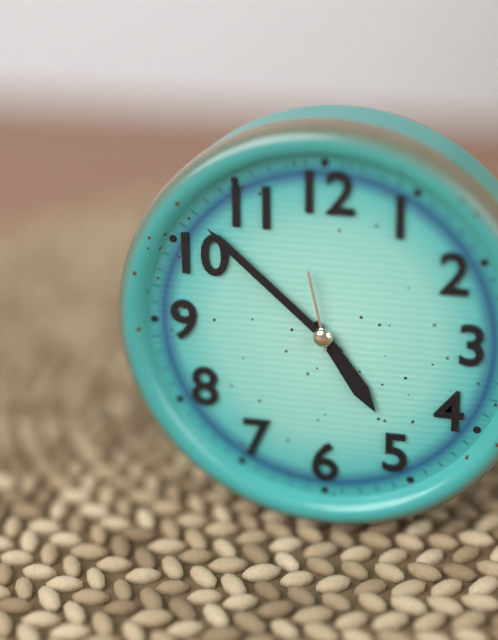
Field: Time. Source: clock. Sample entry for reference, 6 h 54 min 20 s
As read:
4 h 52 min 58 s
